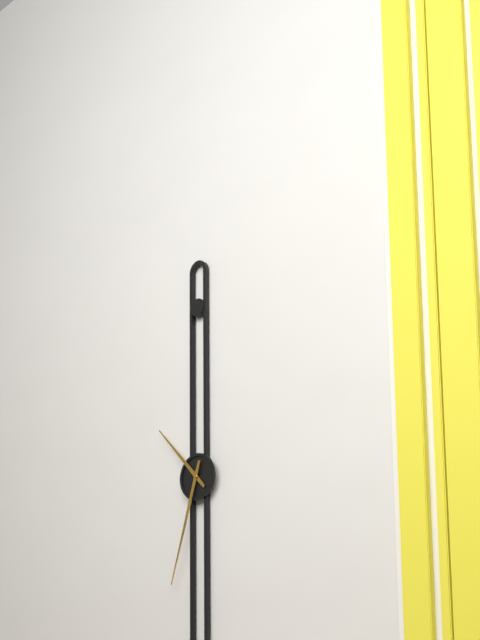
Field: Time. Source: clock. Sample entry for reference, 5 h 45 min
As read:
10 h 33 min
